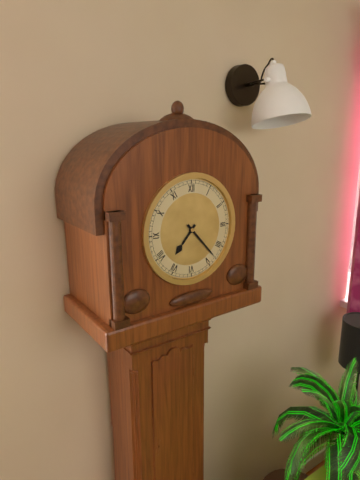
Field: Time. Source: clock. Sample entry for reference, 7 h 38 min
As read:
7 h 23 min
